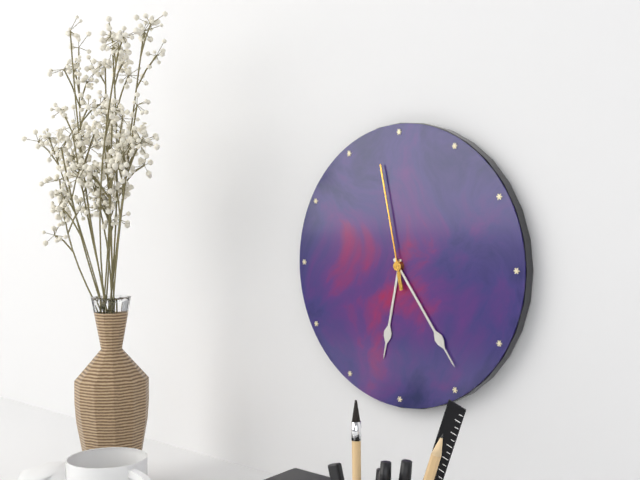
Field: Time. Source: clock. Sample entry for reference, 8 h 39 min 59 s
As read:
6 h 24 min 58 s
